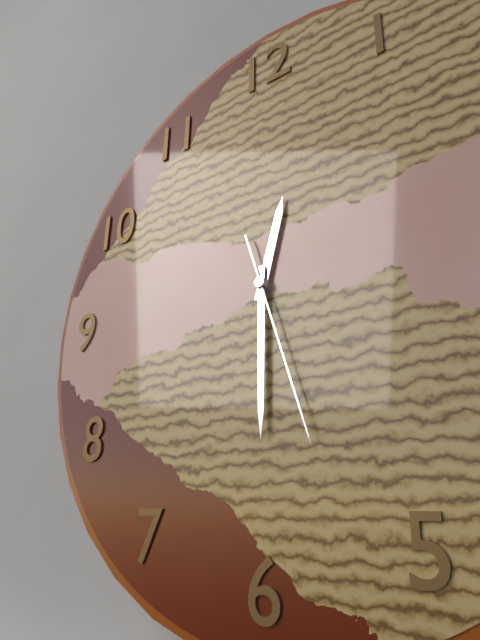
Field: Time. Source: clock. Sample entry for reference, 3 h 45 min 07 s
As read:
12 h 30 min 27 s
